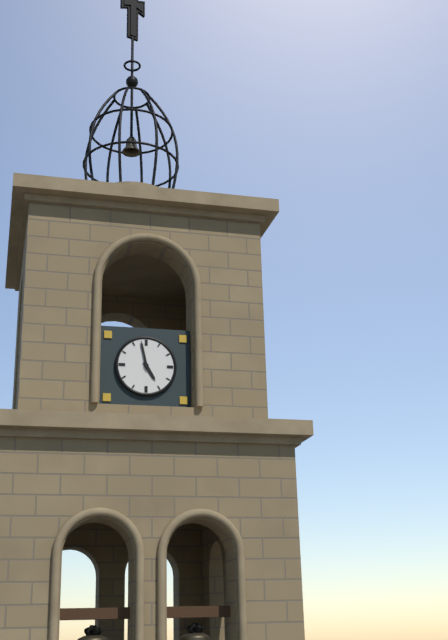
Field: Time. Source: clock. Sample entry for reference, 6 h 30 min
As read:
4 h 58 min
